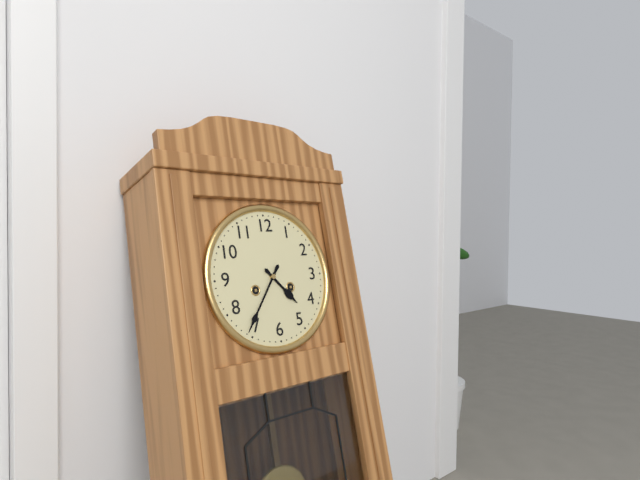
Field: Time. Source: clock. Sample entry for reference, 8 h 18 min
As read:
4 h 36 min
